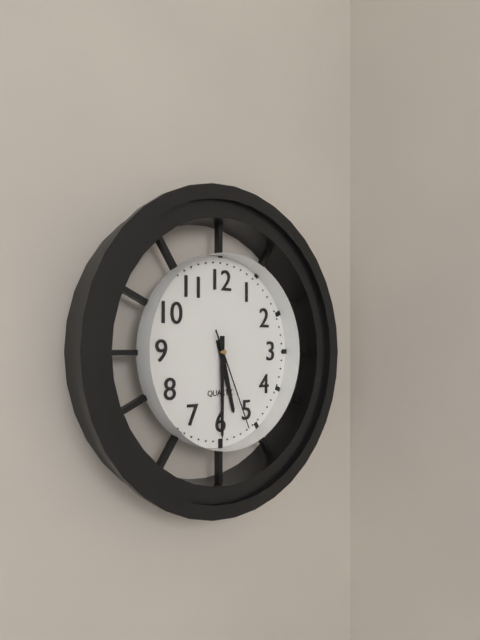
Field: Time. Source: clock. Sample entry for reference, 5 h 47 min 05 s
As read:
5 h 30 min 26 s
